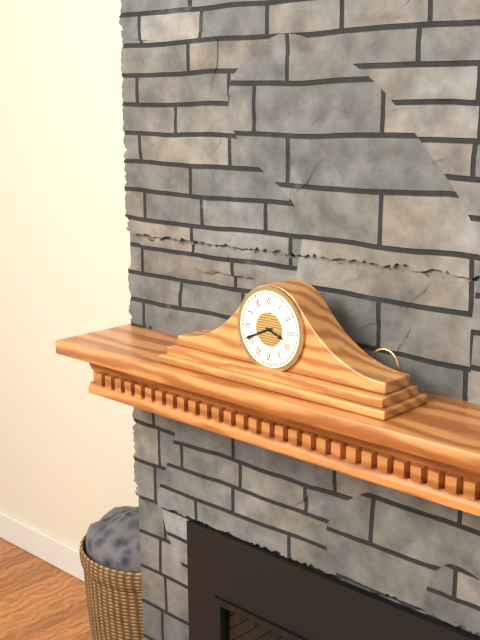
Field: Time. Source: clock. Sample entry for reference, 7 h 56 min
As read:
3 h 41 min
